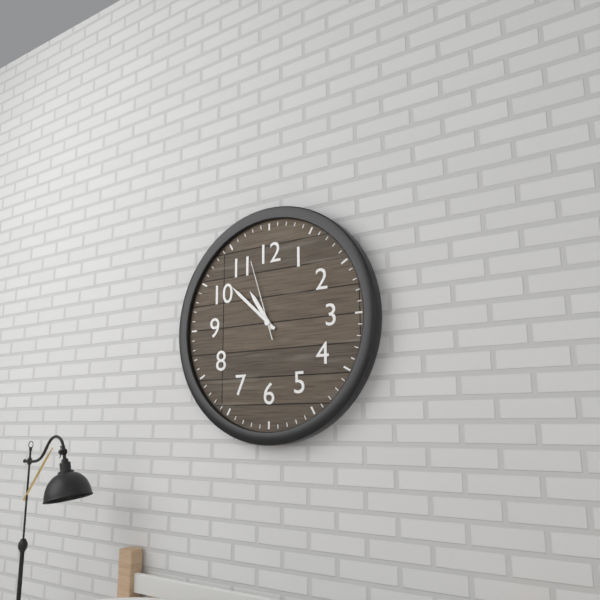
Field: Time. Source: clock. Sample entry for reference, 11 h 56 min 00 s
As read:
10 h 52 min 57 s
